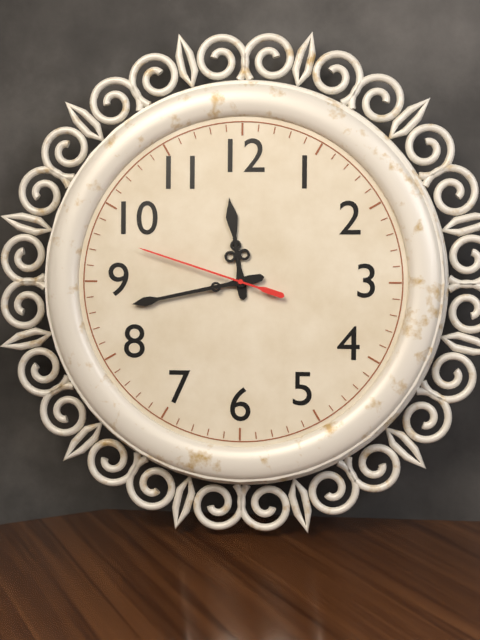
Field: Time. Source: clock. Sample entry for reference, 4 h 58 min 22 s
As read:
11 h 43 min 48 s
